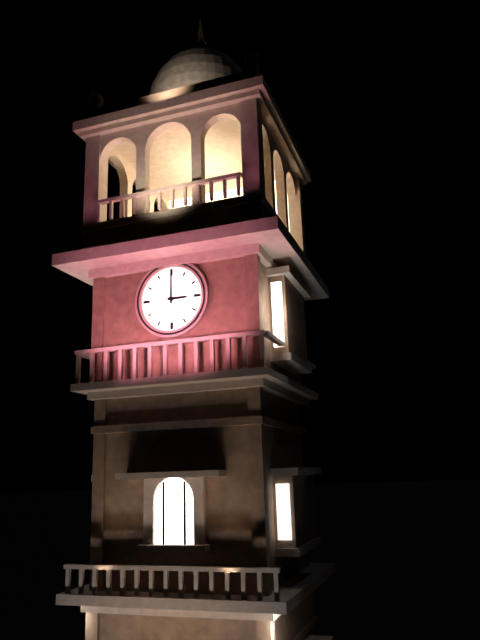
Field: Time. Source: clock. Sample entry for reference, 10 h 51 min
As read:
3 h 00 min
